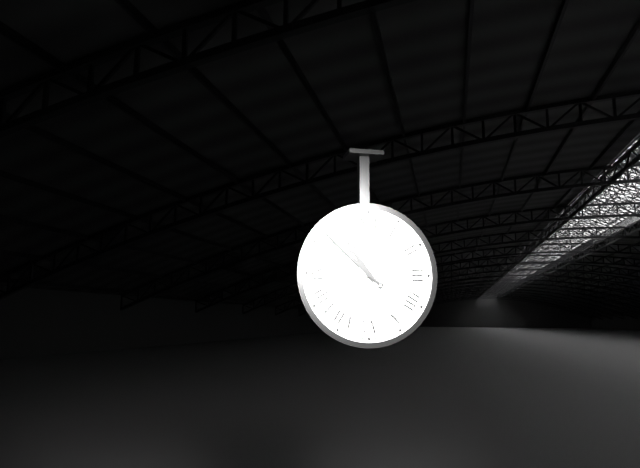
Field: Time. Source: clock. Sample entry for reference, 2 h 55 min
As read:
10 h 52 min
